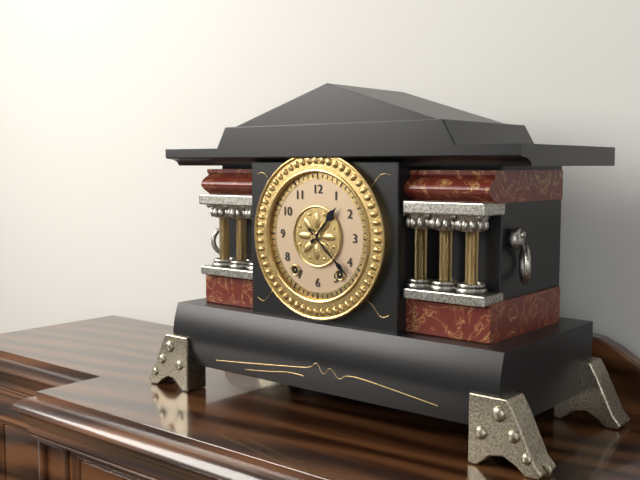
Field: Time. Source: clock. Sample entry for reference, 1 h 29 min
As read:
1 h 22 min
